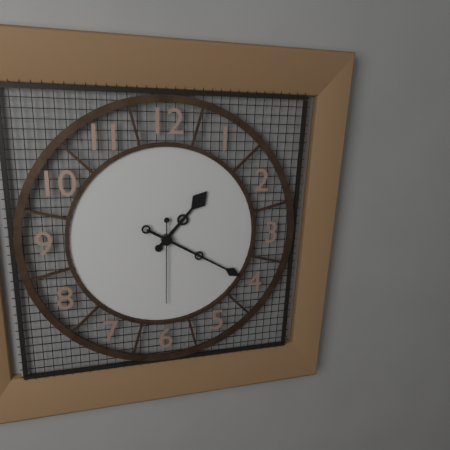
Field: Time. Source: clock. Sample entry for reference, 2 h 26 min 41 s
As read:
1 h 20 min 30 s
